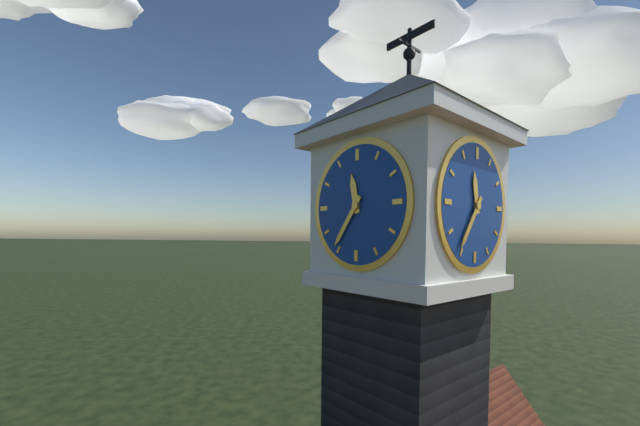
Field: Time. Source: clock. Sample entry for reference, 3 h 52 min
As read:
11 h 36 min
